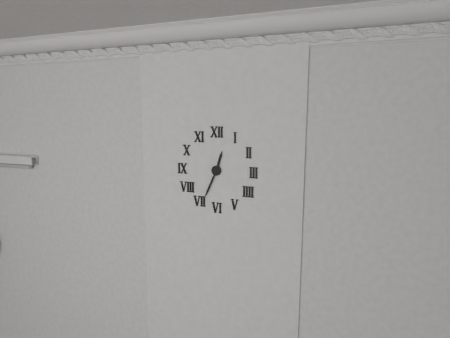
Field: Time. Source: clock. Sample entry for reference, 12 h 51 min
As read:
12 h 34 min
